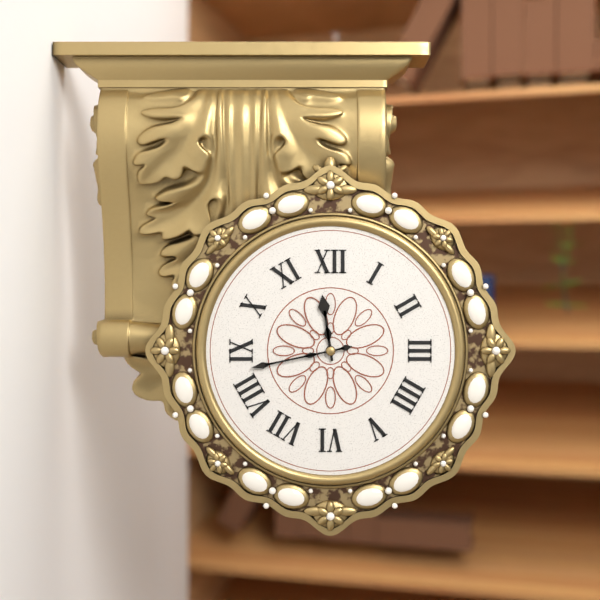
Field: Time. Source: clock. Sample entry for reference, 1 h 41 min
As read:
11 h 43 min
